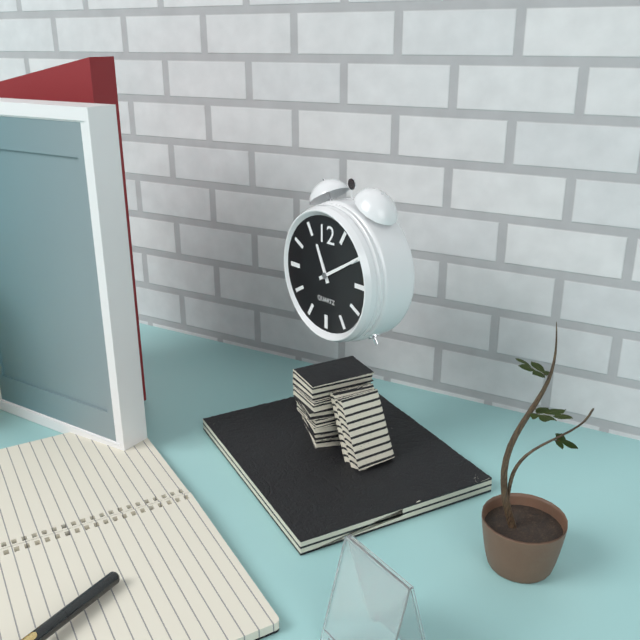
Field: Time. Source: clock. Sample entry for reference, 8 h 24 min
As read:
11 h 10 min
